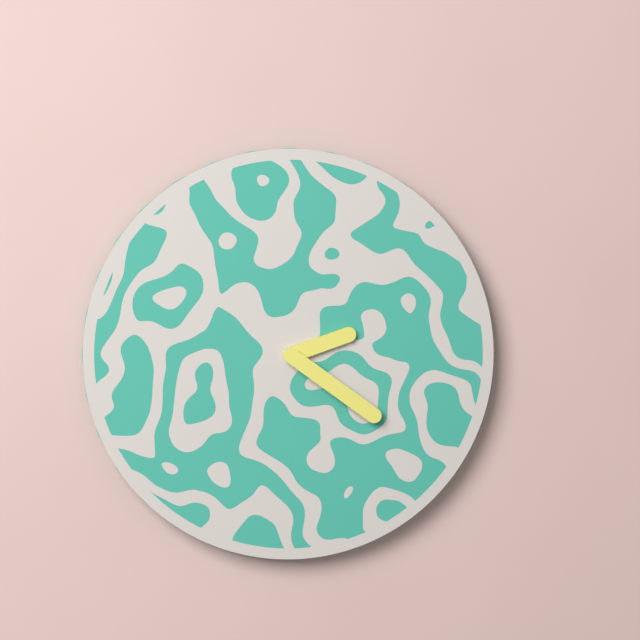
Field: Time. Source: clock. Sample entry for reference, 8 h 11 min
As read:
2 h 21 min
